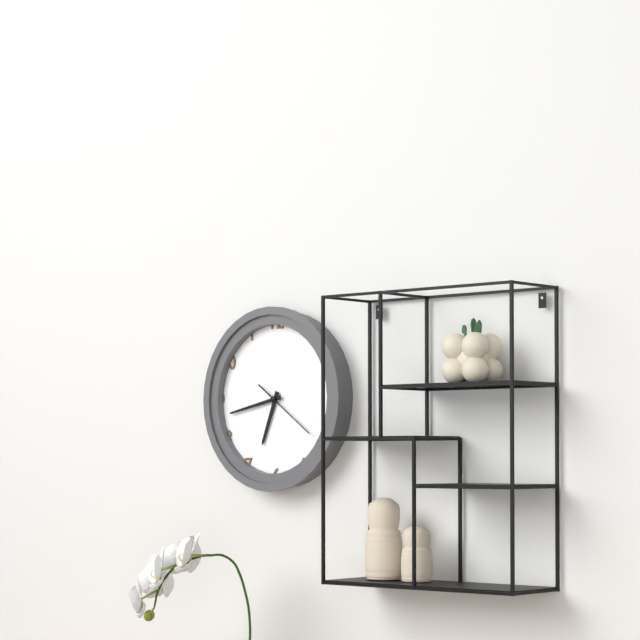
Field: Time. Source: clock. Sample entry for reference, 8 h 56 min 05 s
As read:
6 h 43 min 21 s
